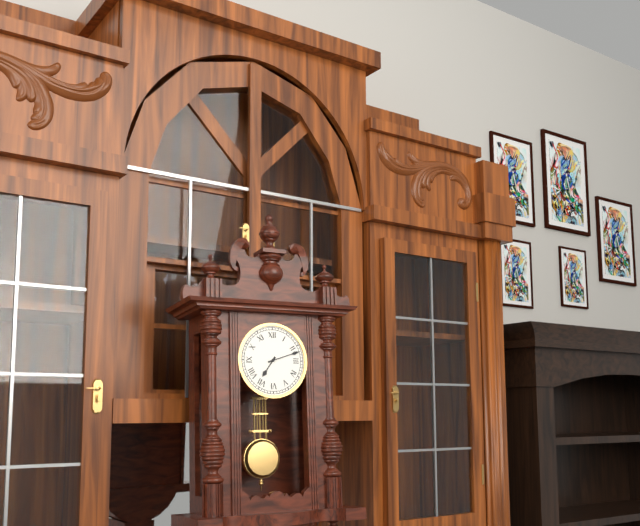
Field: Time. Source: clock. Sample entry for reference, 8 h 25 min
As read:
7 h 12 min
